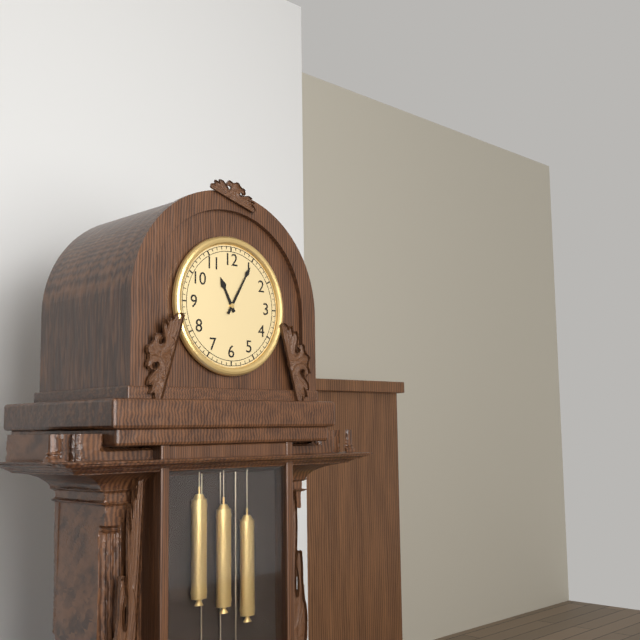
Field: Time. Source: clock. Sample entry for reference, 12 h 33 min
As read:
11 h 05 min
